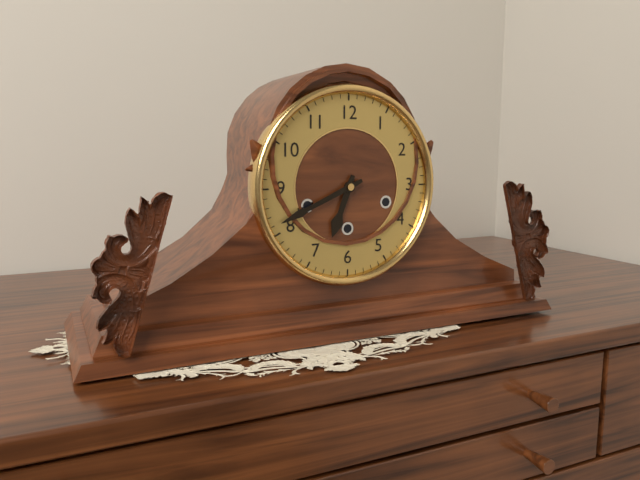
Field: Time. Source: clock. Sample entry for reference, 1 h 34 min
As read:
6 h 41 min
